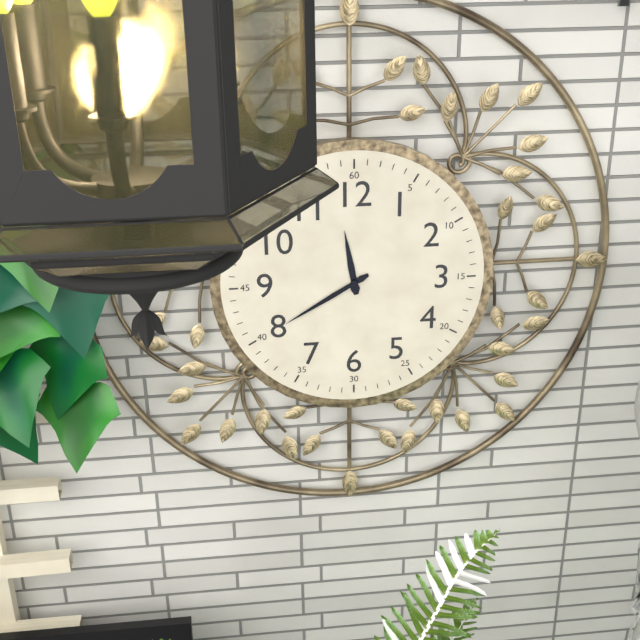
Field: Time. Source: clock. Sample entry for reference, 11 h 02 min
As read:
11 h 40 min
